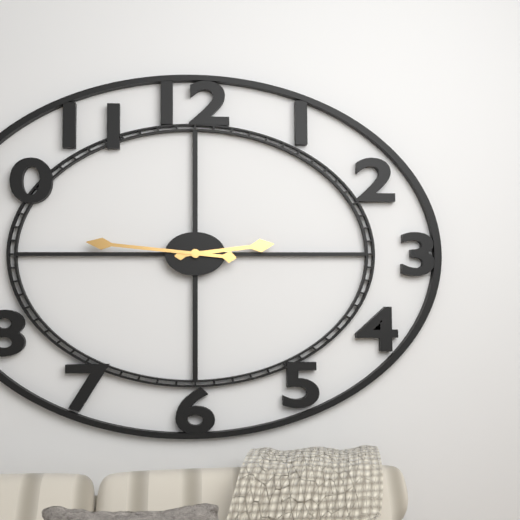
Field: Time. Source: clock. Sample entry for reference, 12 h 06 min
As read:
2 h 46 min
